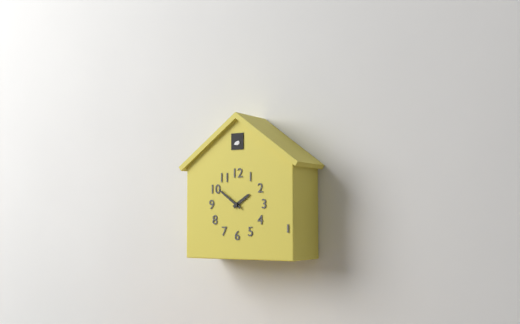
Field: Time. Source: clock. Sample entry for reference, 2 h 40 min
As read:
1 h 51 min
